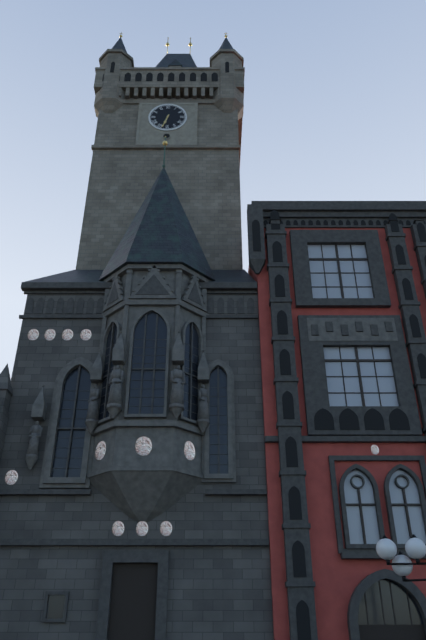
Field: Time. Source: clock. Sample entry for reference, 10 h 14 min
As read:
6 h 33 min
